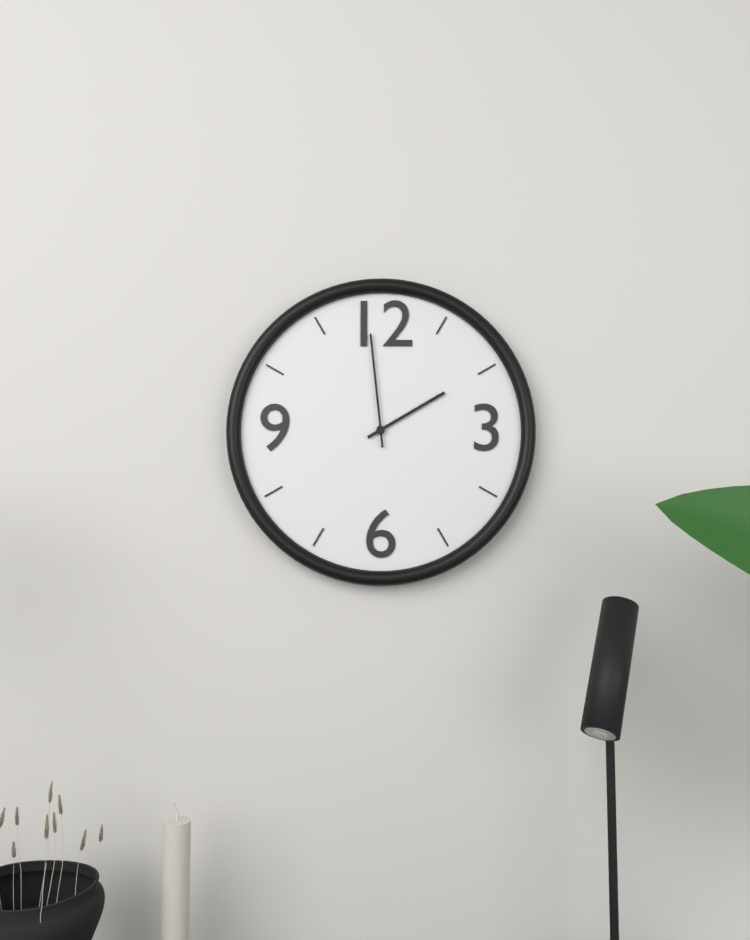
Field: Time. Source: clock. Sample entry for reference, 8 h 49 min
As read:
1 h 59 min
